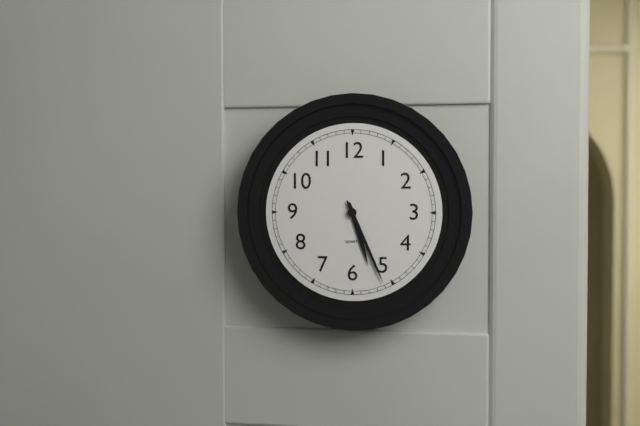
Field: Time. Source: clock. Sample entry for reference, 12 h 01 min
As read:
5 h 26 min
